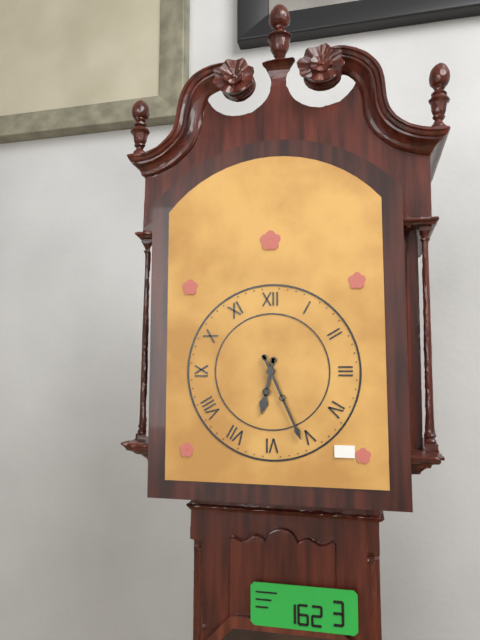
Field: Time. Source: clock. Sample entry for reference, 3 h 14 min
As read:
6 h 26 min
